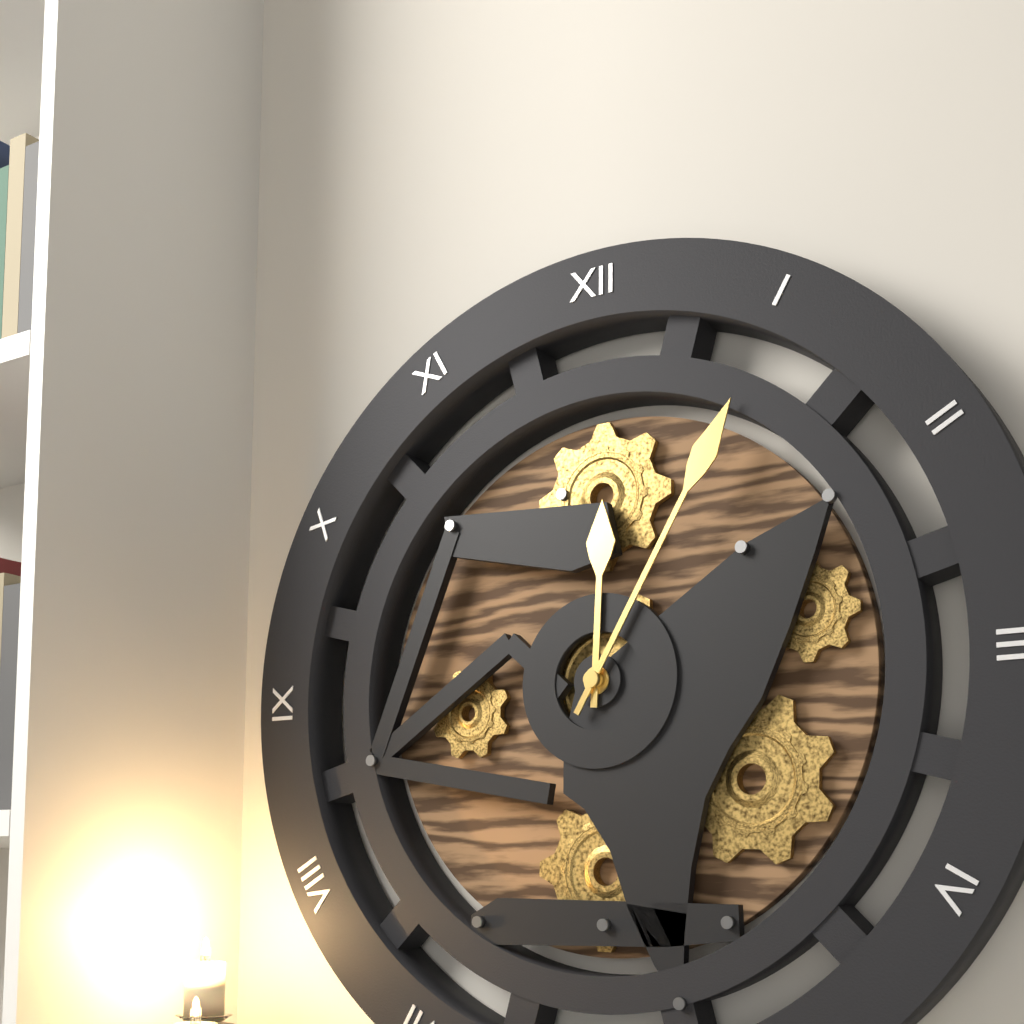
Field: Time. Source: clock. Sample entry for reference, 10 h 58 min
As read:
12 h 05 min
